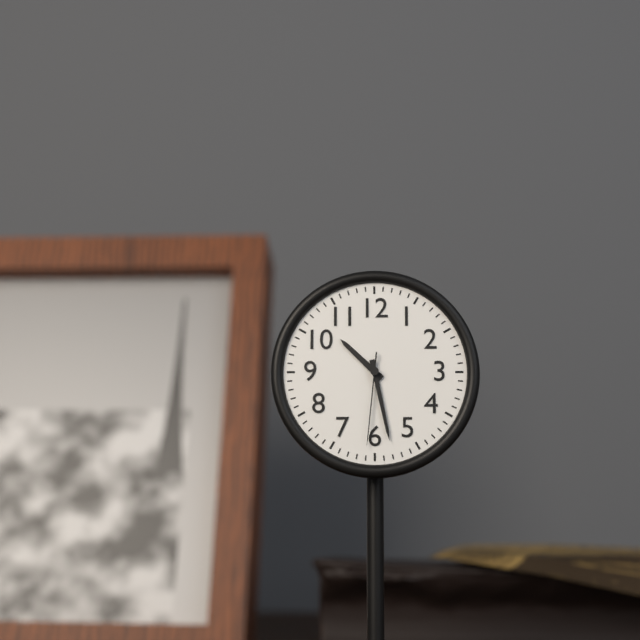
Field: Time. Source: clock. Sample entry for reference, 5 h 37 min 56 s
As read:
10 h 28 min 31 s
